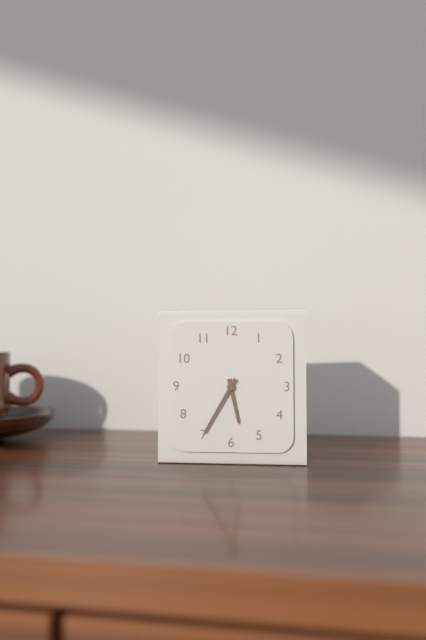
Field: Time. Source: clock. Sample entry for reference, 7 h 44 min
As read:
5 h 35 min
